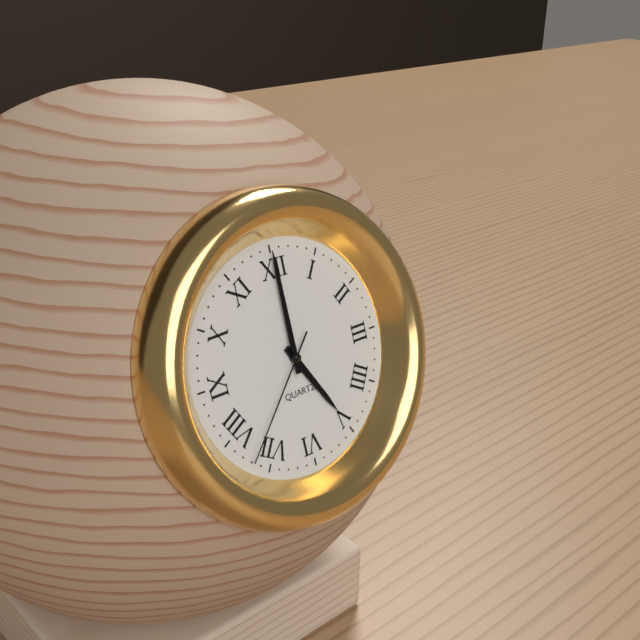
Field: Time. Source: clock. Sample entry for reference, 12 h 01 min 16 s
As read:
5 h 00 min 37 s
